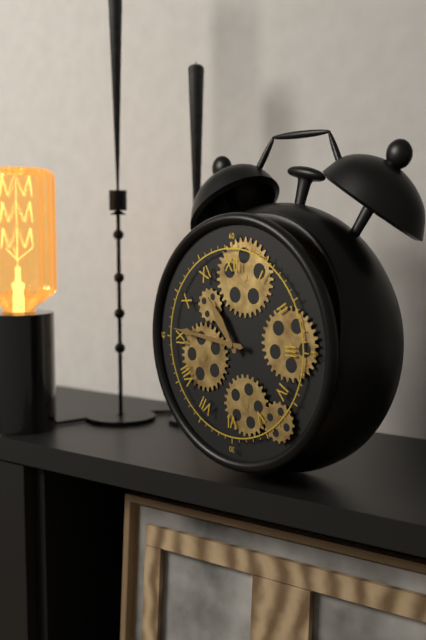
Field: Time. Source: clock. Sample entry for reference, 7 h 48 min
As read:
10 h 46 min
